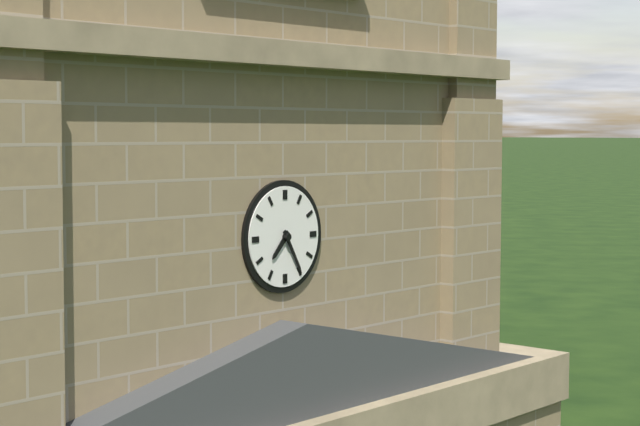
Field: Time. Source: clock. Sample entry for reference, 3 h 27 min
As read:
7 h 25 min
